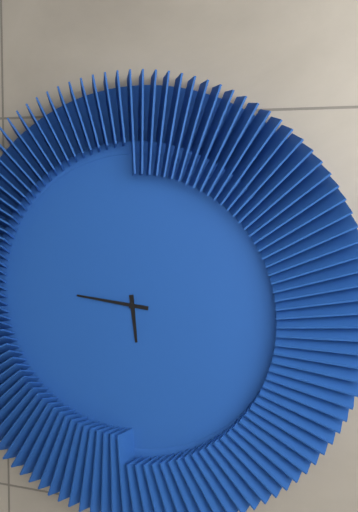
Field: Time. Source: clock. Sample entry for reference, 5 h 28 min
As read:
5 h 46 min
